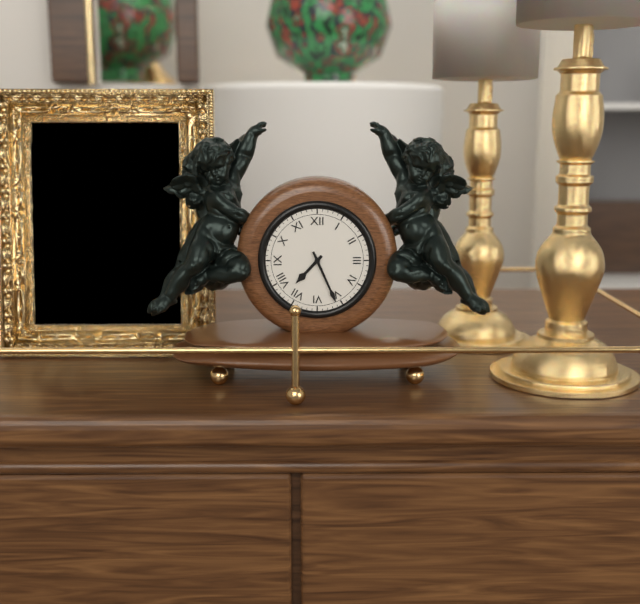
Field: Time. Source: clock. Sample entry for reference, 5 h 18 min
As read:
7 h 26 min
